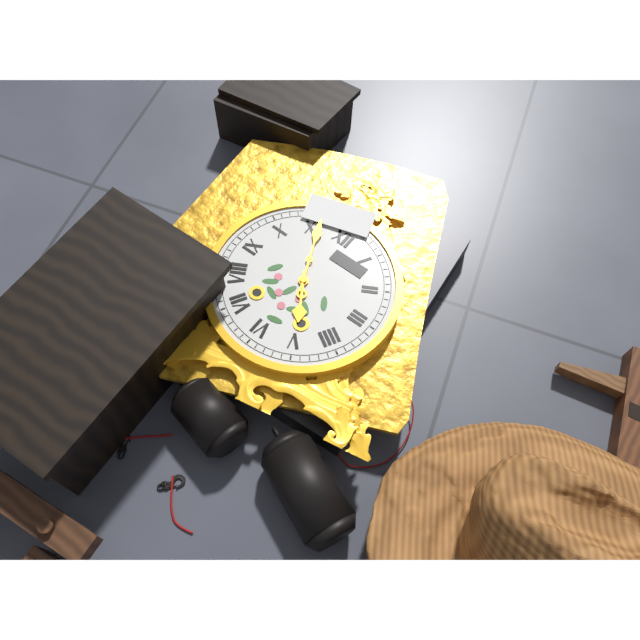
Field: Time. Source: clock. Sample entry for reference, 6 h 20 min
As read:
4 h 56 min
